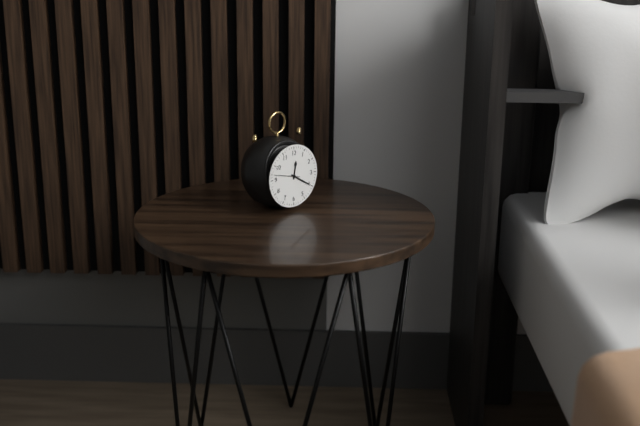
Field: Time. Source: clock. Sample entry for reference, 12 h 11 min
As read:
12 h 20 min
